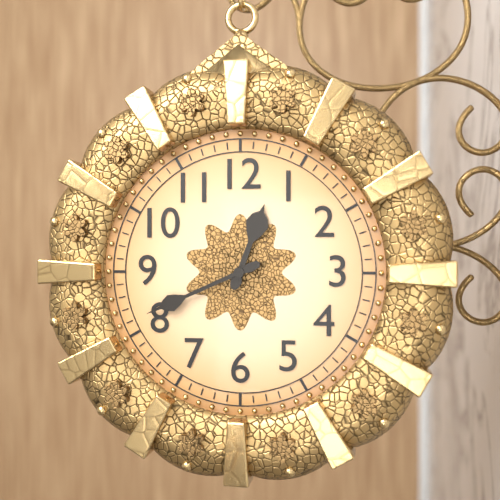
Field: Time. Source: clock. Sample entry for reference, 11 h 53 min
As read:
12 h 41 min
